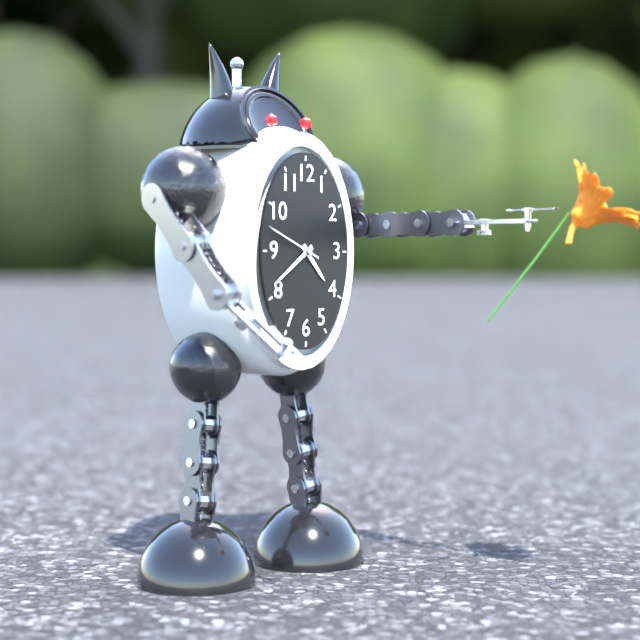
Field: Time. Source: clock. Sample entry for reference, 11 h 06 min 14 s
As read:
4 h 39 min 49 s
